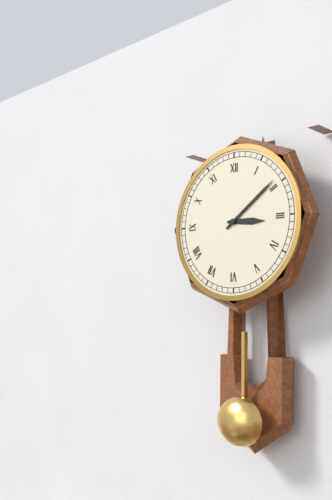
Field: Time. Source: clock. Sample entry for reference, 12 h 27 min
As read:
3 h 09 min
